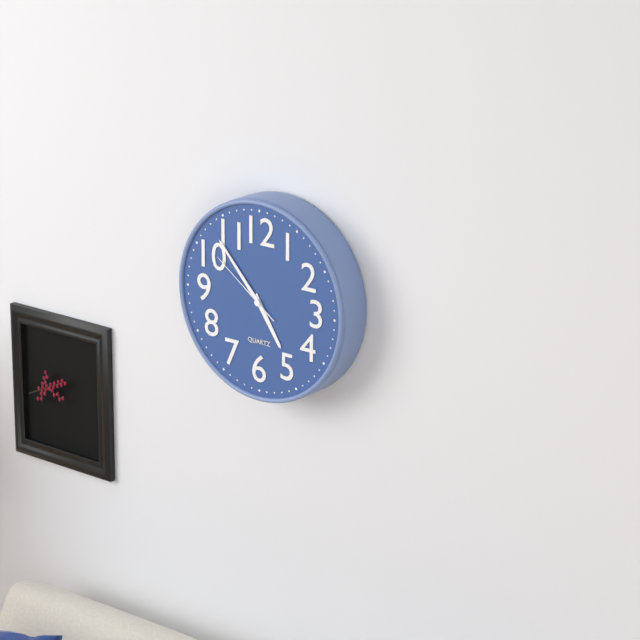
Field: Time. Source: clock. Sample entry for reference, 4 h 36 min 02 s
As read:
4 h 53 min 51 s
